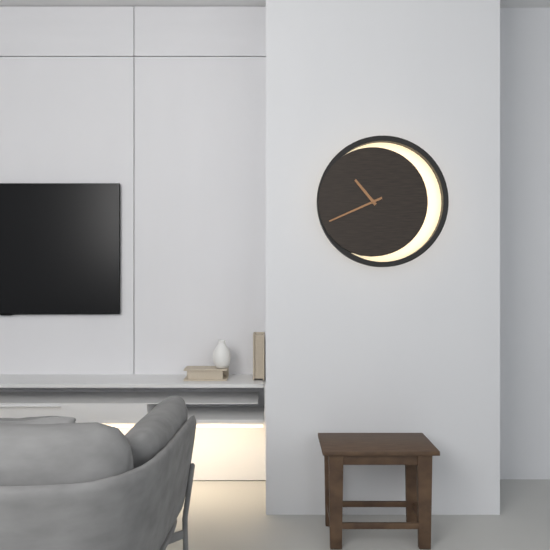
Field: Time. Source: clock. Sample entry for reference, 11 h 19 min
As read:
10 h 41 min
